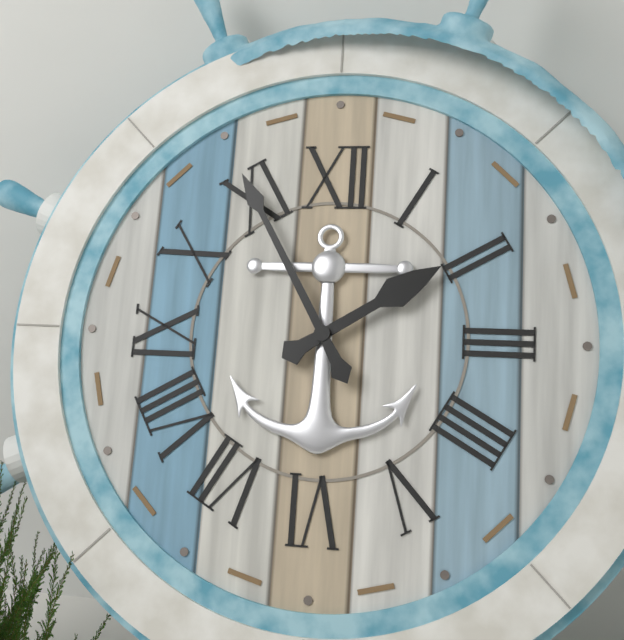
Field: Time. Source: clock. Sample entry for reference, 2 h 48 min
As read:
1 h 55 min
